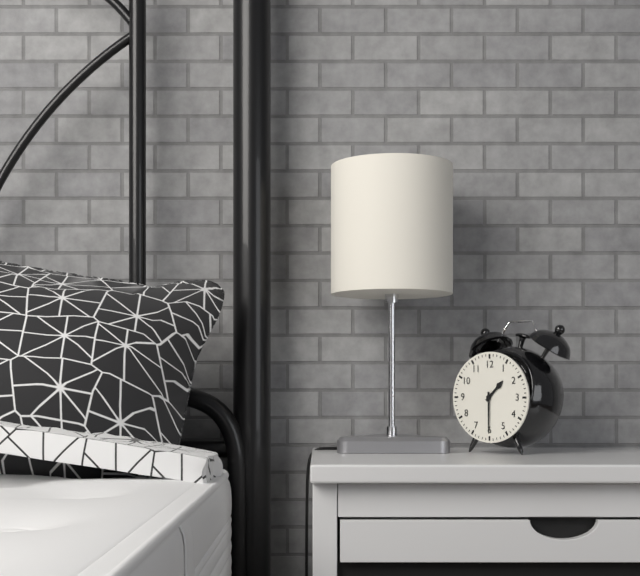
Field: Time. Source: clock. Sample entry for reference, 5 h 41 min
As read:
1 h 30 min
